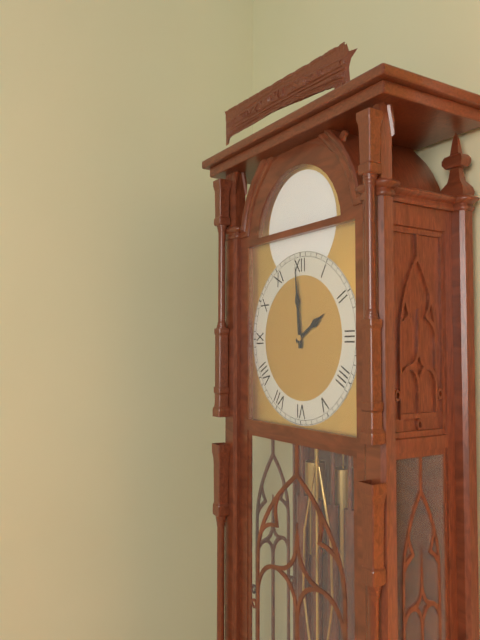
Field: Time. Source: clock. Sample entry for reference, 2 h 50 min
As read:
1 h 59 min
